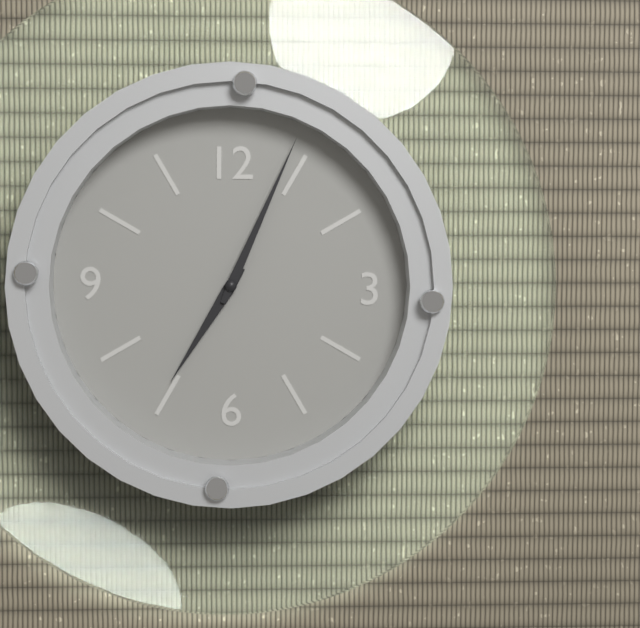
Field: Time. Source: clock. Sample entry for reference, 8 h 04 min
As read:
7 h 04 min
